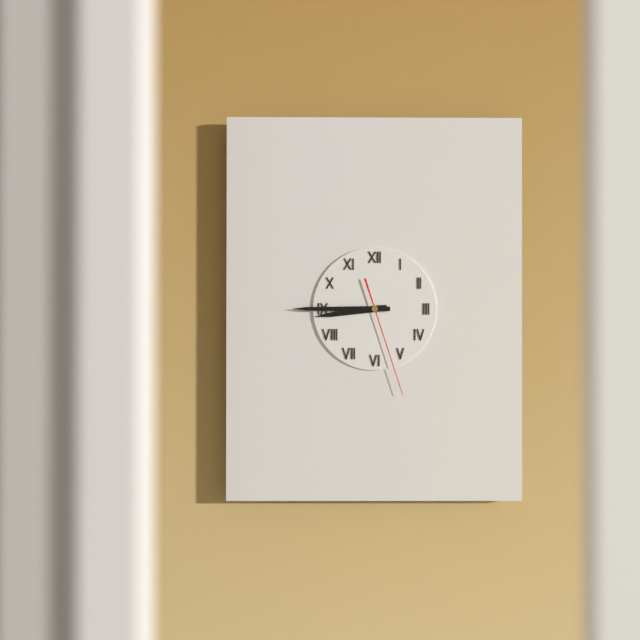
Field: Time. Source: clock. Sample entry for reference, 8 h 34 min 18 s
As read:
8 h 45 min 27 s
